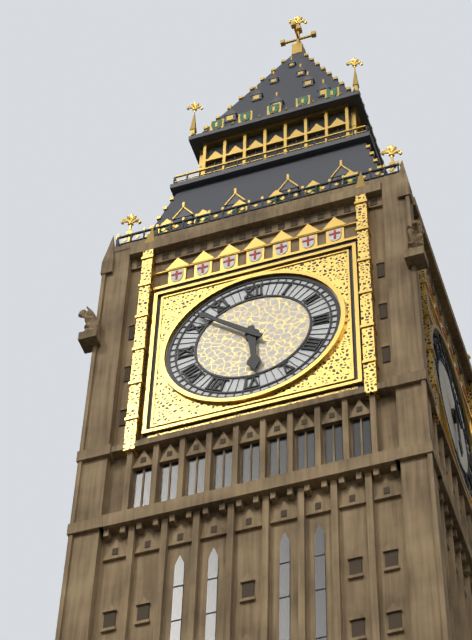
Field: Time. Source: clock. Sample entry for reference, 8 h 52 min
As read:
5 h 52 min
